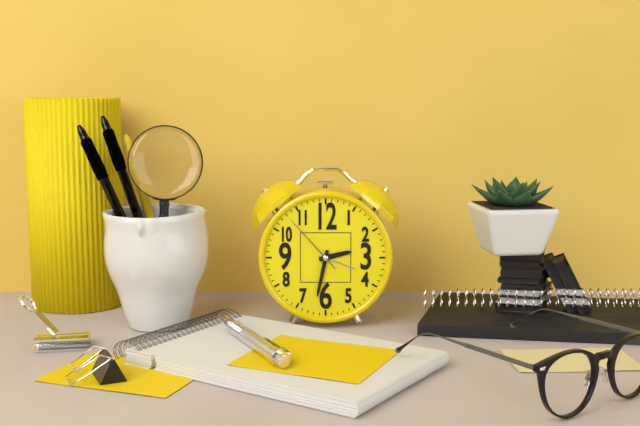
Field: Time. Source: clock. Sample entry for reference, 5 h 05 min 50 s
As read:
2 h 32 min 53 s
